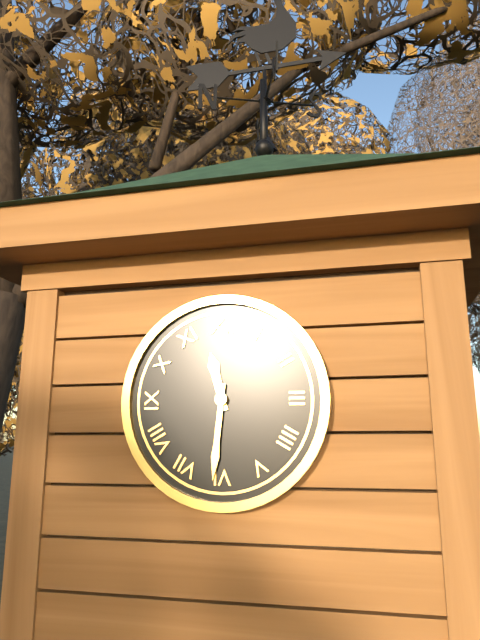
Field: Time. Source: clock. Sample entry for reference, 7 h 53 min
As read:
11 h 31 min
